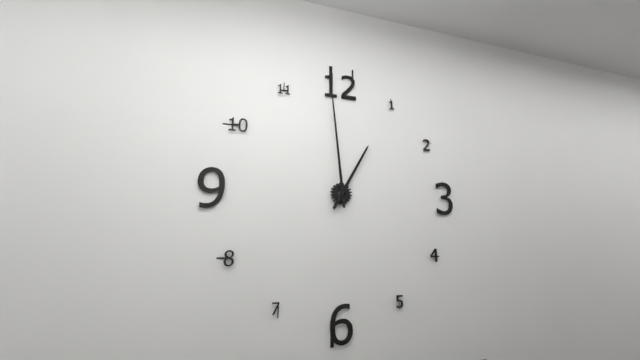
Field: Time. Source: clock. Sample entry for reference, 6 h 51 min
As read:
12 h 59 min
